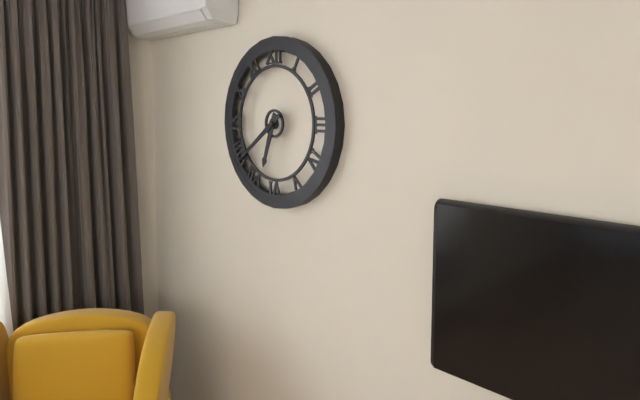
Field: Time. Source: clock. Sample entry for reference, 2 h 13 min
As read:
6 h 39 min
